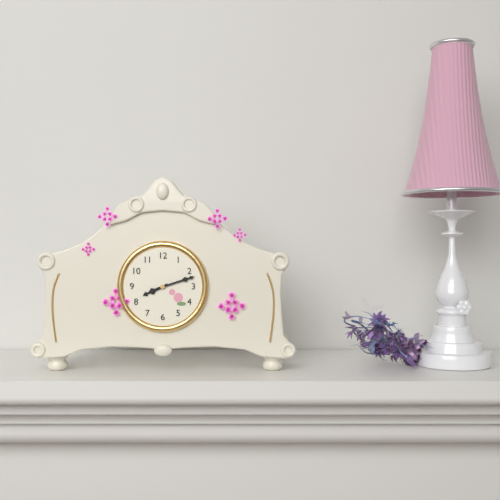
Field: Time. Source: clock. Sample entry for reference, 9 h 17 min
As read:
8 h 12 min
